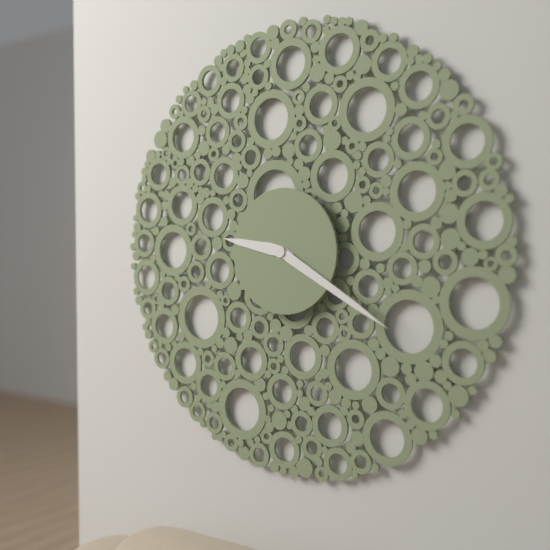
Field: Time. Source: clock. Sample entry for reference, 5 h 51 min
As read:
9 h 20 min
